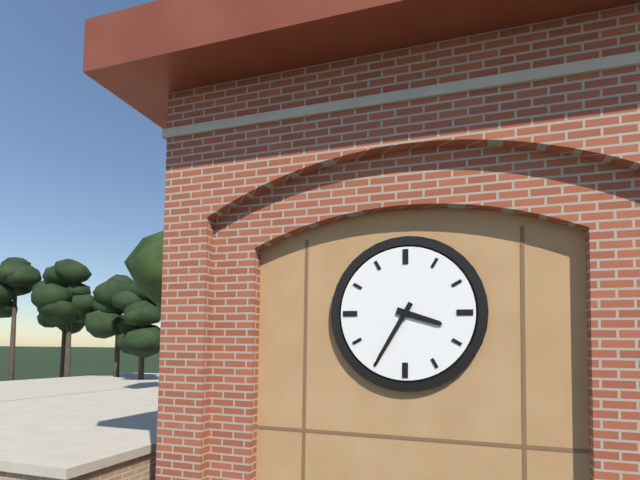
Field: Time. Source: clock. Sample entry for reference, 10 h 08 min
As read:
3 h 35 min
